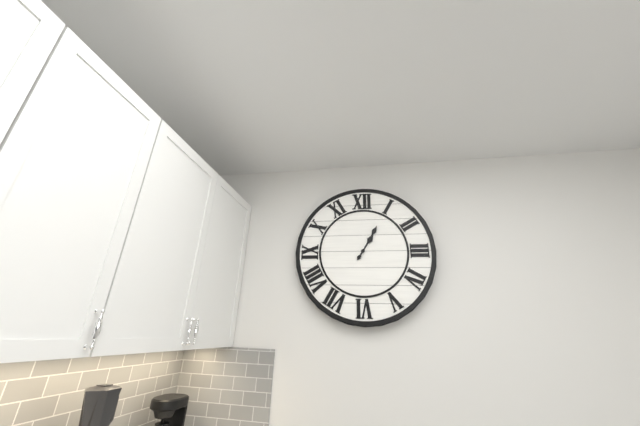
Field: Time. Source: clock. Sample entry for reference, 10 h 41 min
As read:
1 h 05 min
